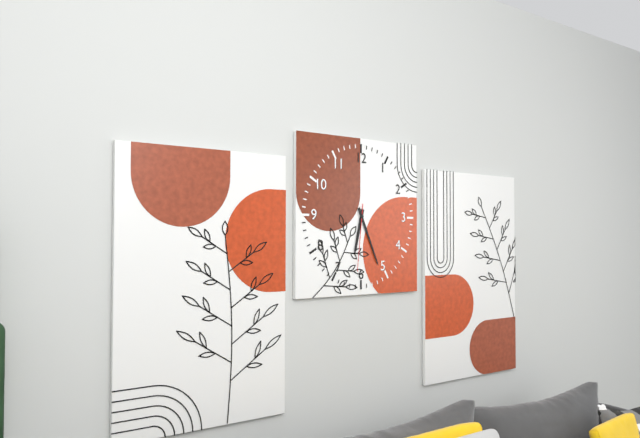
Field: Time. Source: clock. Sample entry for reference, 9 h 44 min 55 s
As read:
6 h 26 min 31 s
